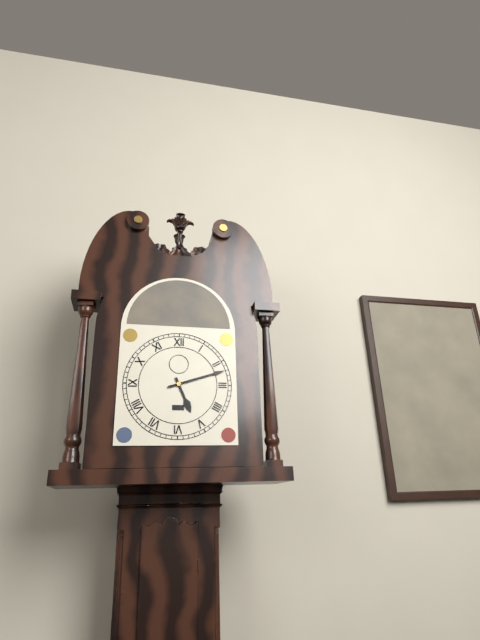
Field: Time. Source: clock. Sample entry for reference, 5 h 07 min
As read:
5 h 12 min
